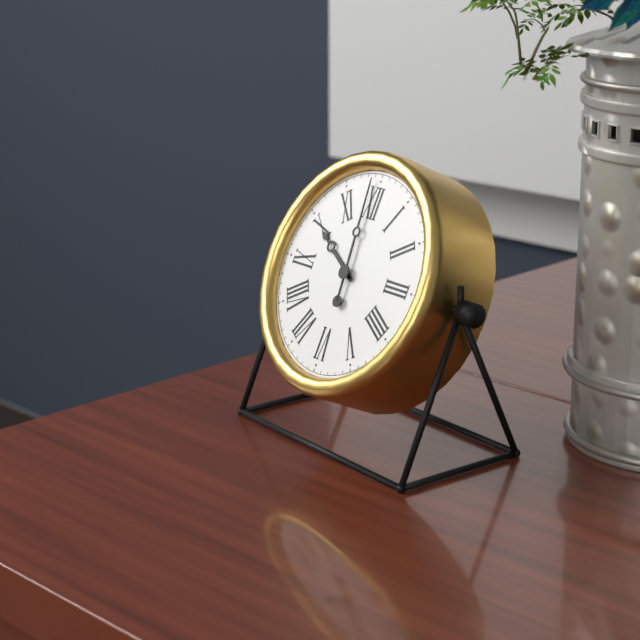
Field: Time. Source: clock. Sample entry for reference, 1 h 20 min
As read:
9 h 59 min
